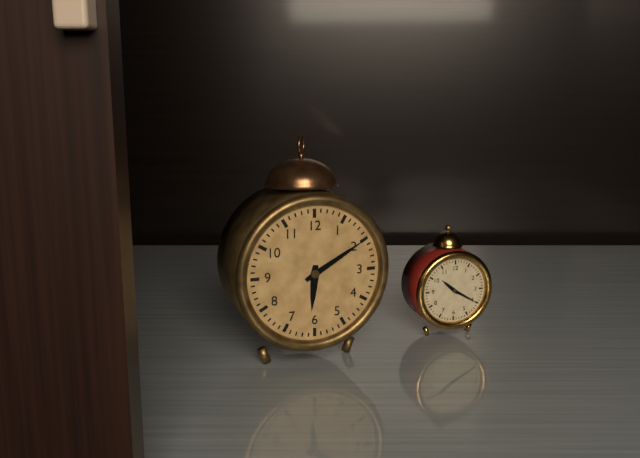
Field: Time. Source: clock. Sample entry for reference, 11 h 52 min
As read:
6 h 10 min
